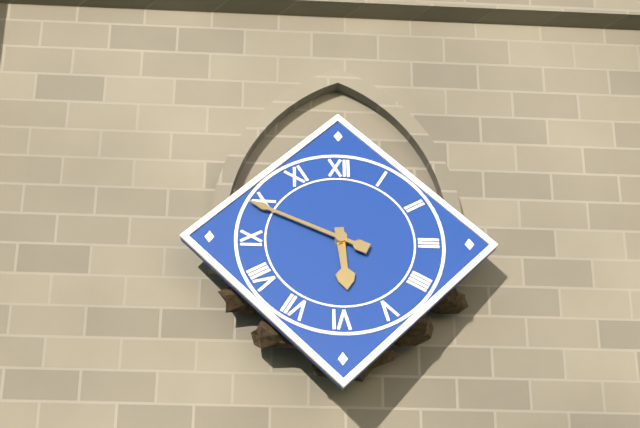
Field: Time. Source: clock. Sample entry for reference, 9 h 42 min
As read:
5 h 49 min
